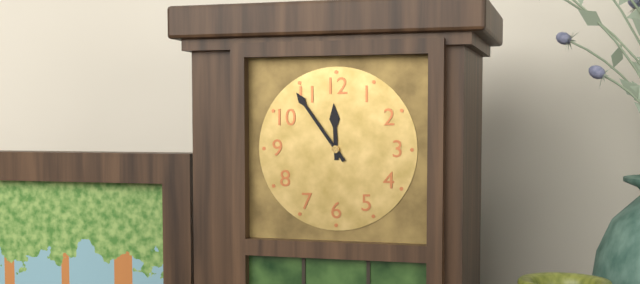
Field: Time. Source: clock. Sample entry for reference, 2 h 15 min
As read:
11 h 54 min
